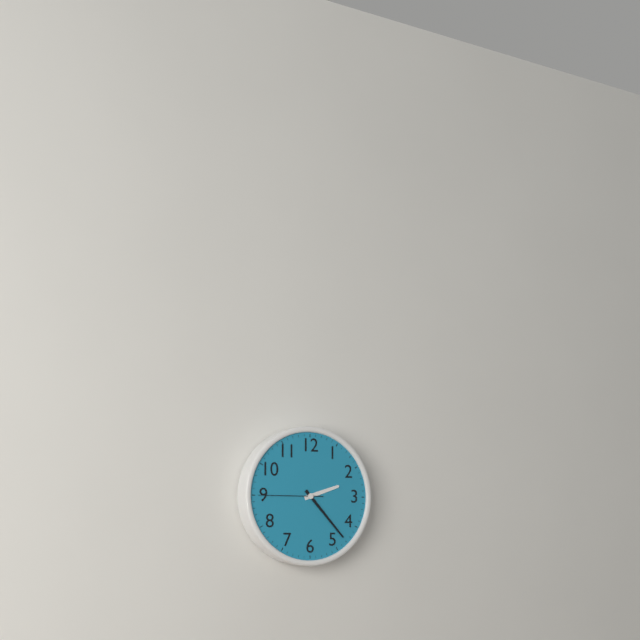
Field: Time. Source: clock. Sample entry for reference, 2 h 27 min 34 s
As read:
2 h 23 min 45 s
